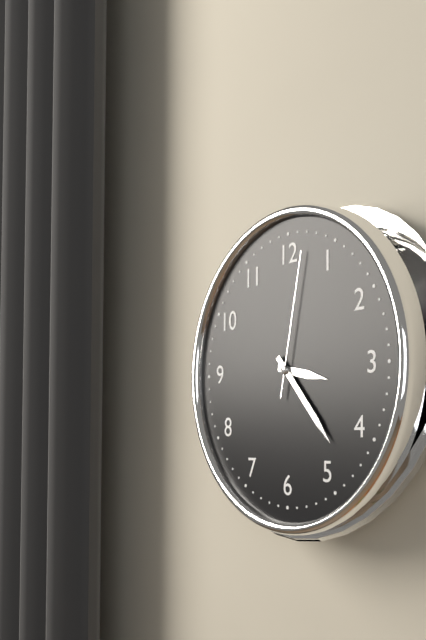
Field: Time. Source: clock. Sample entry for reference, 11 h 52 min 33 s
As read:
3 h 23 min 02 s
